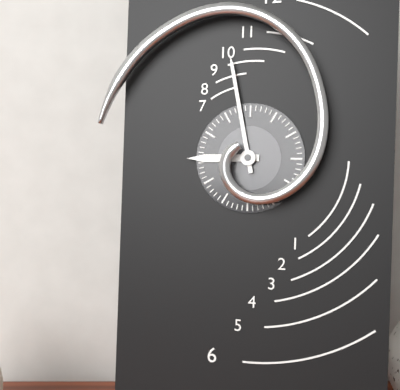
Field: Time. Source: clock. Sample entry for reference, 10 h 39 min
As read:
8 h 58 min
